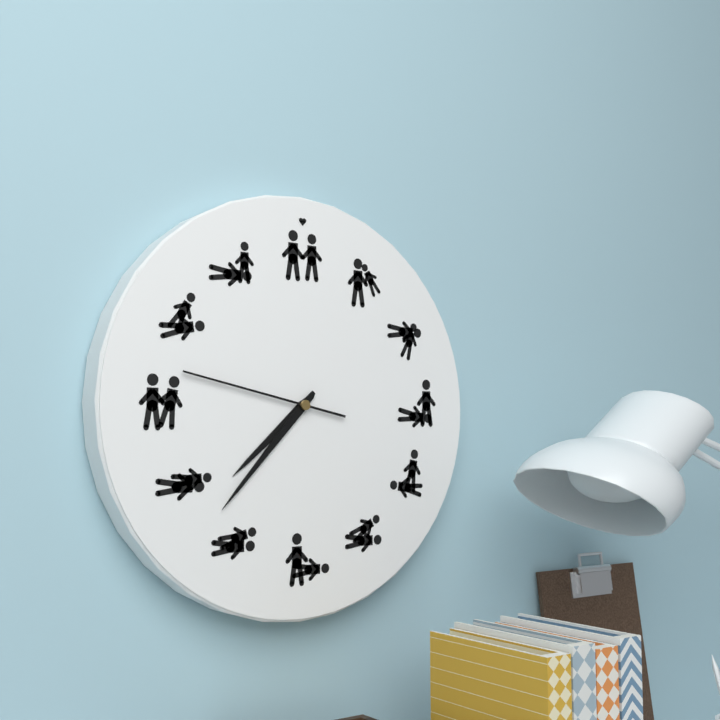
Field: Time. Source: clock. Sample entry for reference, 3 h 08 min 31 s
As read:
7 h 37 min 47 s
